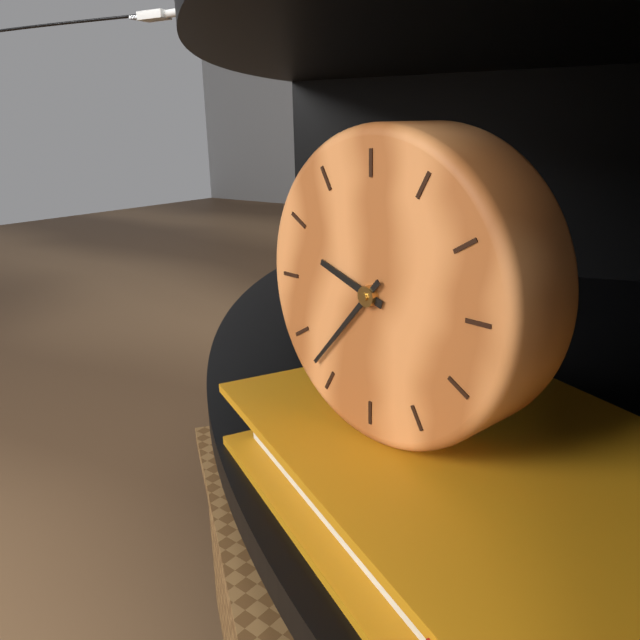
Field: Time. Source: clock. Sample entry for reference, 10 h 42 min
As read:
9 h 37 min
